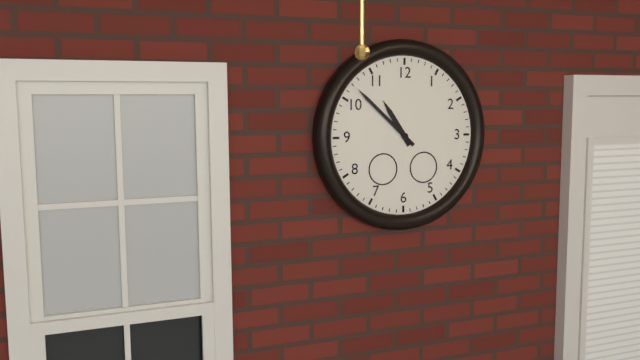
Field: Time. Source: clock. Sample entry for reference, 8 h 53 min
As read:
10 h 52 min
